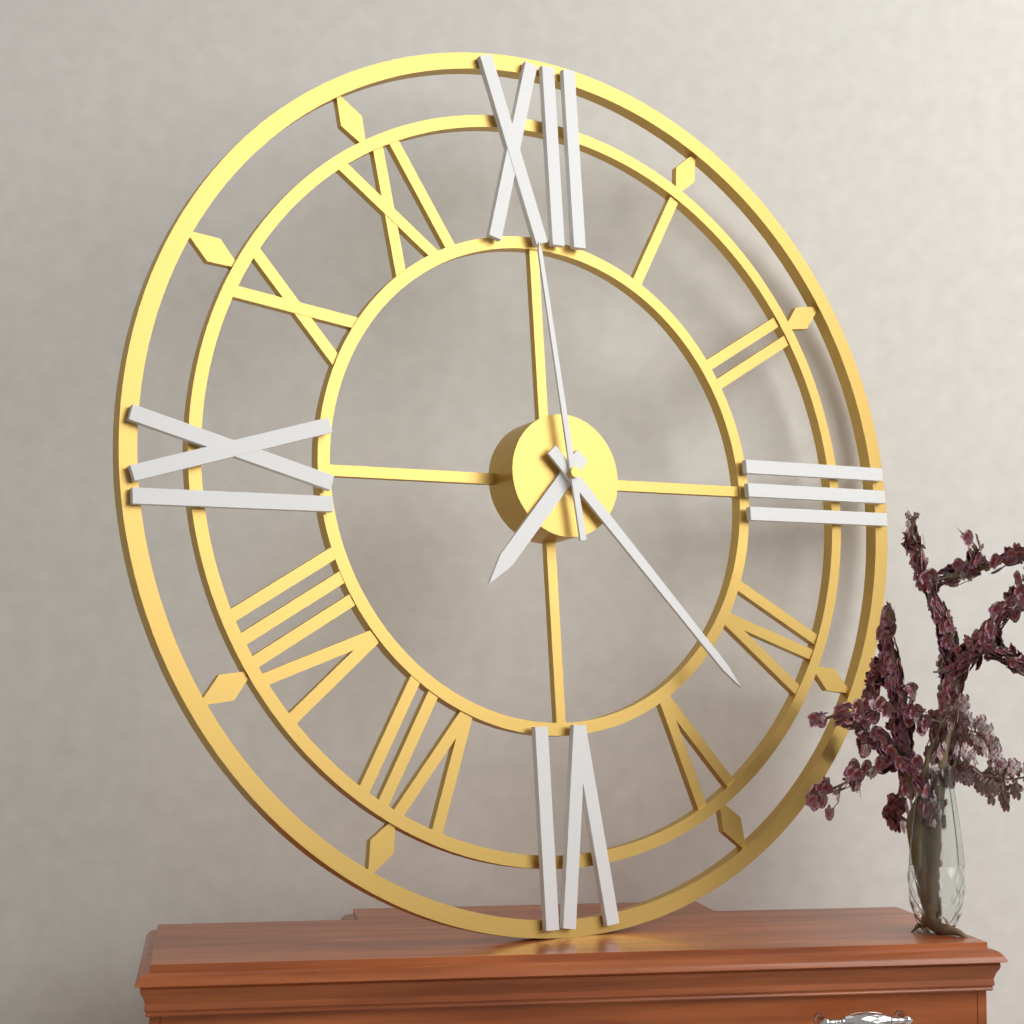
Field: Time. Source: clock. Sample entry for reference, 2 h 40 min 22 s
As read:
7 h 23 min 59 s
